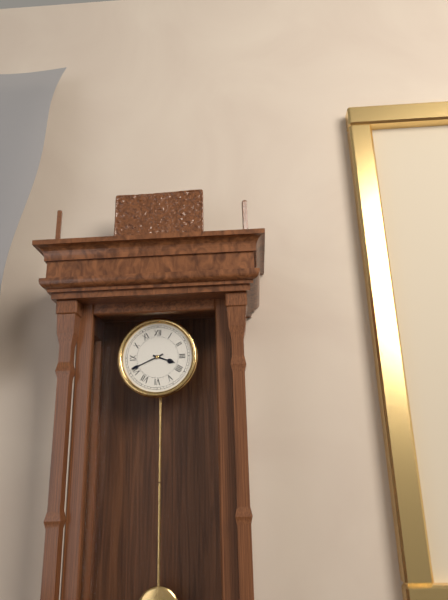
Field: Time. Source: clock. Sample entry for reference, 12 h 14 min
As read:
3 h 41 min
